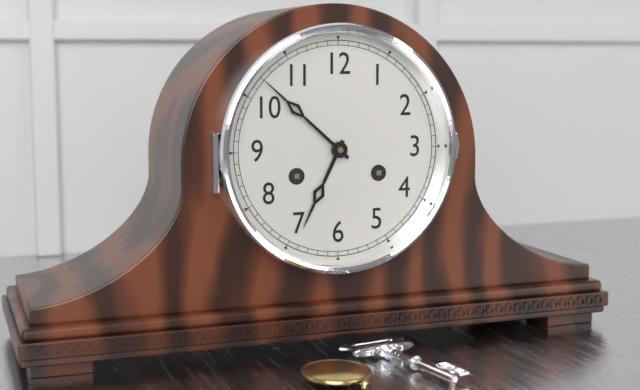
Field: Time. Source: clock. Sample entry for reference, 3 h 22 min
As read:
6 h 52 min
